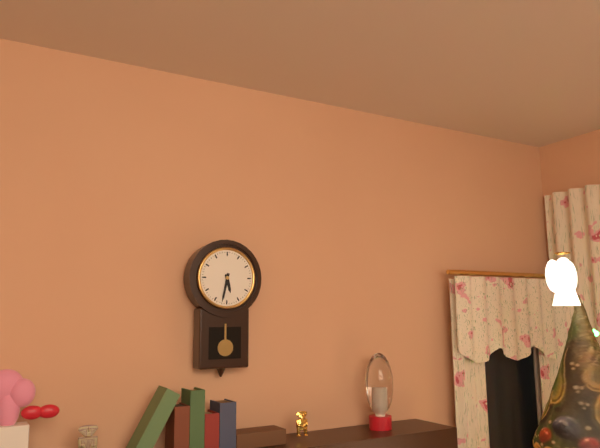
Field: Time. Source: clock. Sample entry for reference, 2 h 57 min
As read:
5 h 32 min
